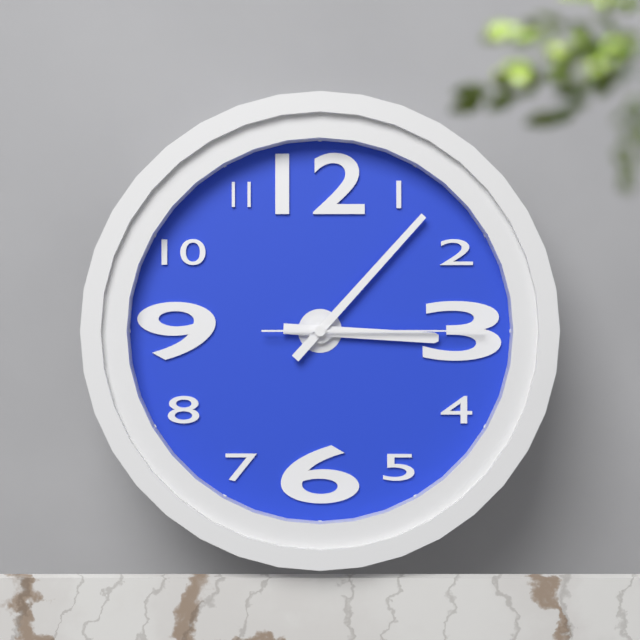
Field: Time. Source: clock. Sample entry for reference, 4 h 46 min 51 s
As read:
3 h 07 min 15 s
